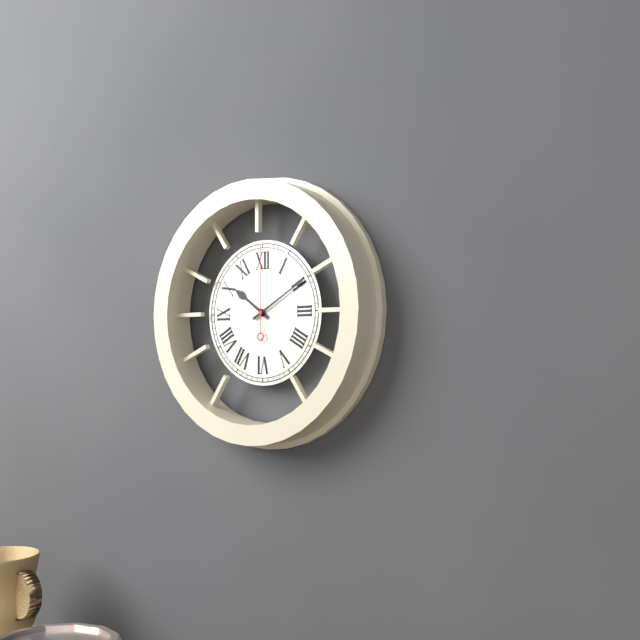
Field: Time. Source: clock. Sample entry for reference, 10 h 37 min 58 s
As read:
10 h 10 min 00 s
